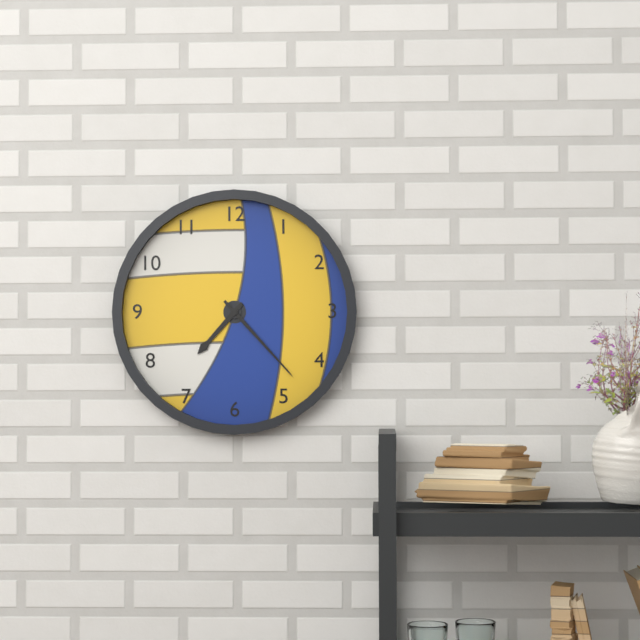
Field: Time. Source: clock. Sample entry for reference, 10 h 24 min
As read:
7 h 23 min
